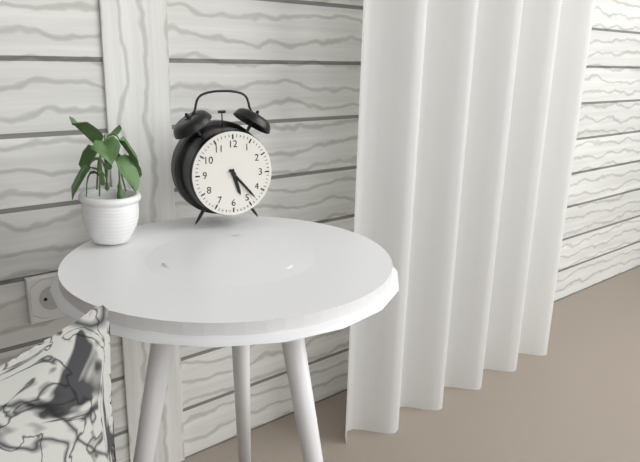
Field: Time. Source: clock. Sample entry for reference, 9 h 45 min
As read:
5 h 23 min
